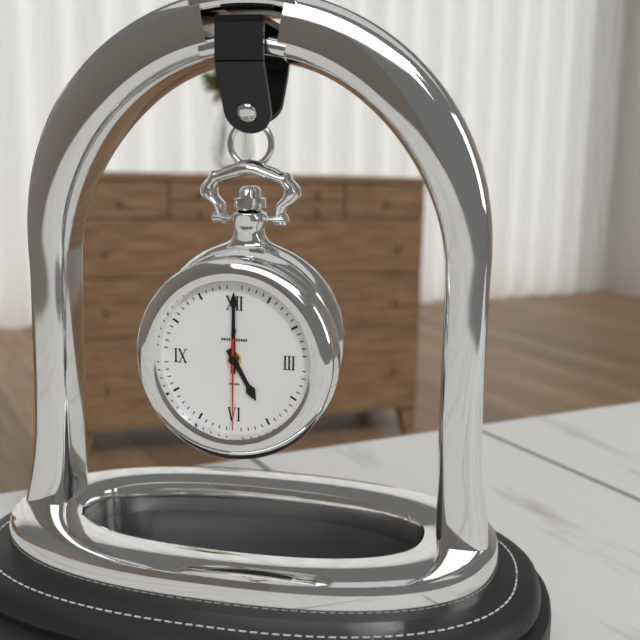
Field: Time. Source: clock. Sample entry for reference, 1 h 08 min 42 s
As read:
5 h 00 min 30 s
